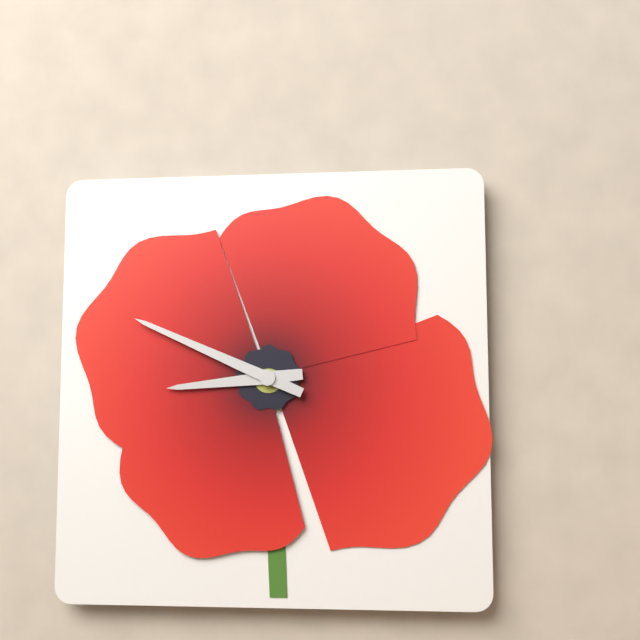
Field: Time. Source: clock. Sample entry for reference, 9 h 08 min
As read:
8 h 49 min
